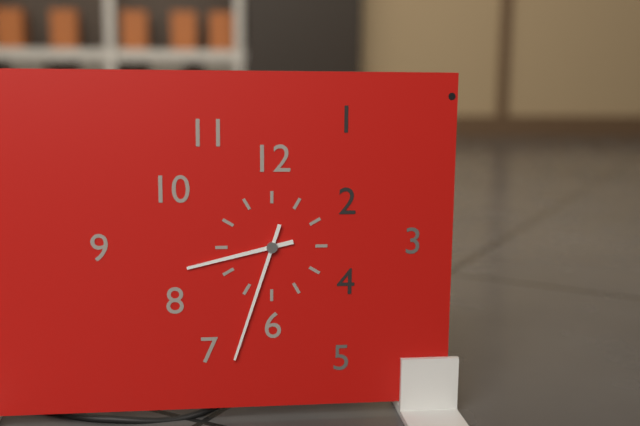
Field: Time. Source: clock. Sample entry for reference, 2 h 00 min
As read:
8 h 33 min
